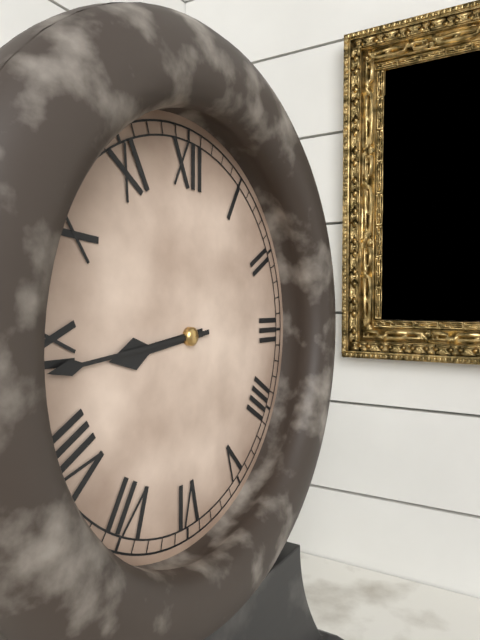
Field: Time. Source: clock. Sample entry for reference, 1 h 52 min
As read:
8 h 44 min
